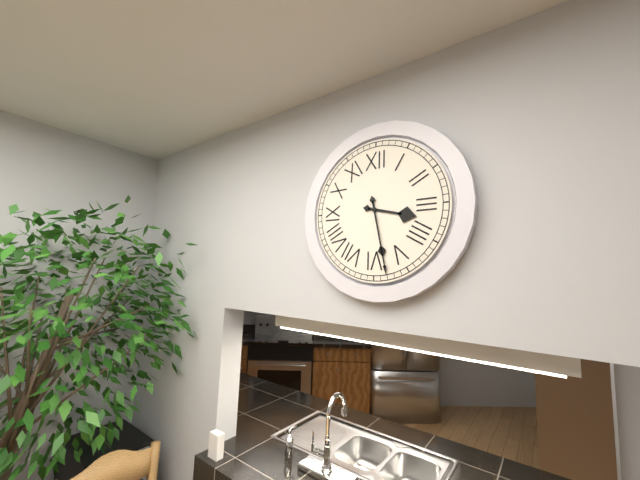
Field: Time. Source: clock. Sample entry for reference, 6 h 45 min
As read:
3 h 28 min
